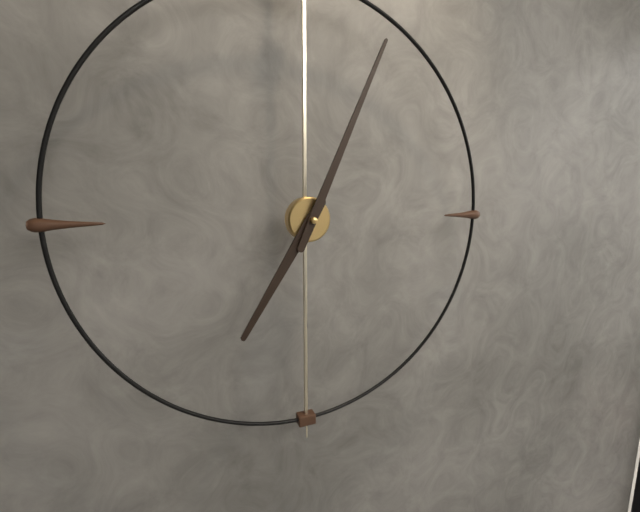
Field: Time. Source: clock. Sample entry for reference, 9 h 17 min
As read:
7 h 04 min
